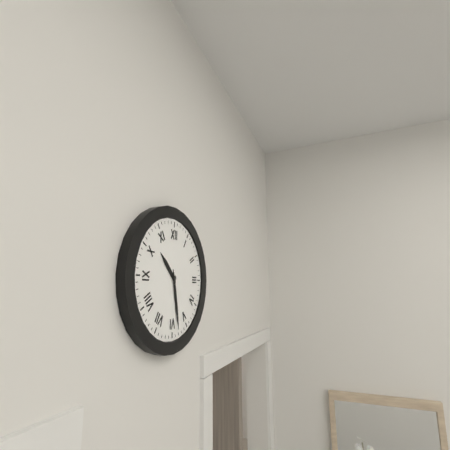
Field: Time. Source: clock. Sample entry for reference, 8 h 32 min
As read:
10 h 28 min
